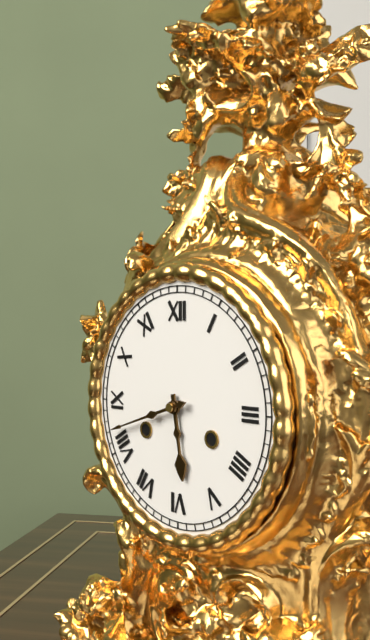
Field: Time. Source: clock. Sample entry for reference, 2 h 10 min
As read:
5 h 42 min
